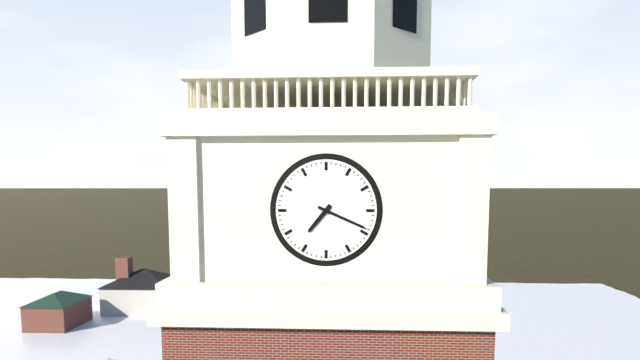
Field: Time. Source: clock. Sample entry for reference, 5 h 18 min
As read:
7 h 19 min
